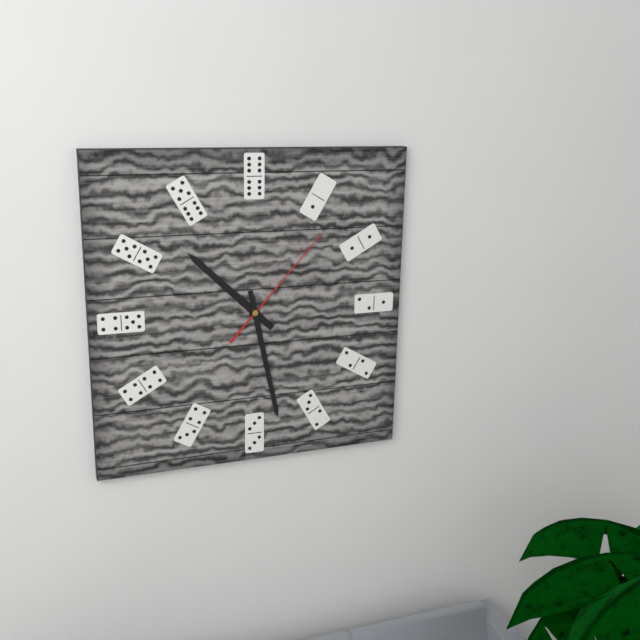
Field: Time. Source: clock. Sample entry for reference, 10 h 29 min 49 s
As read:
10 h 28 min 07 s
